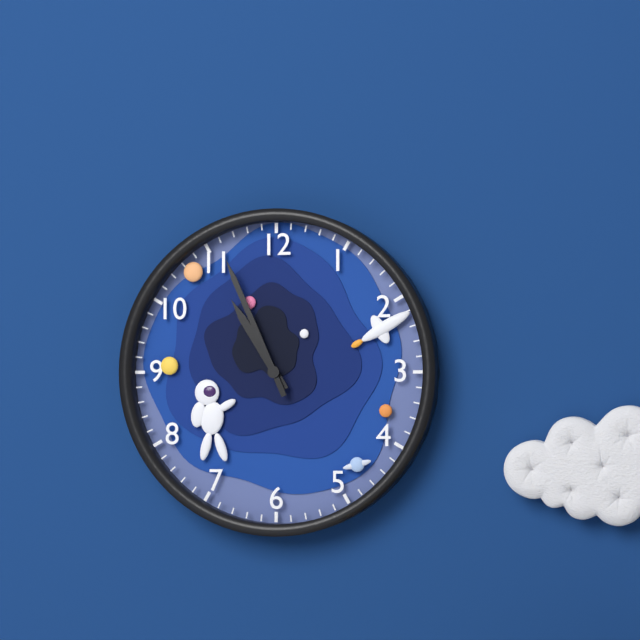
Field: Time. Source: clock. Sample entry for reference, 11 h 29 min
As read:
10 h 56 min
